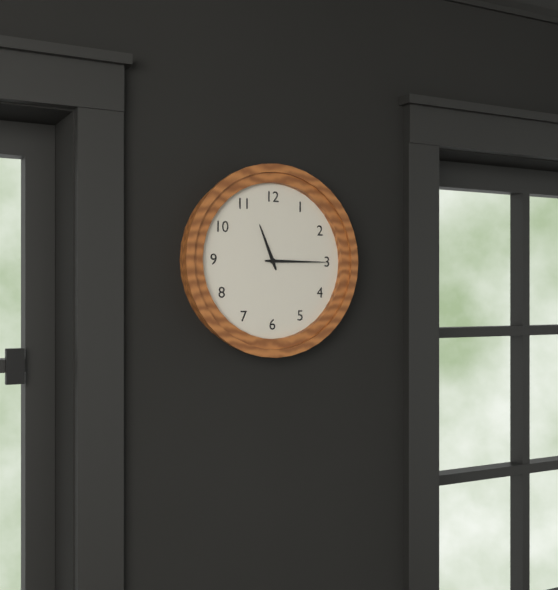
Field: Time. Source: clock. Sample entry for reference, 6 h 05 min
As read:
11 h 15 min
